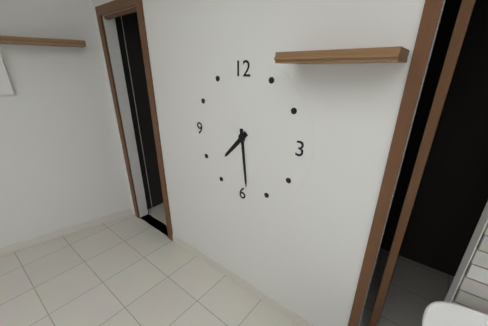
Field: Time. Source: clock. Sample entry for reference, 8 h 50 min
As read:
7 h 29 min
